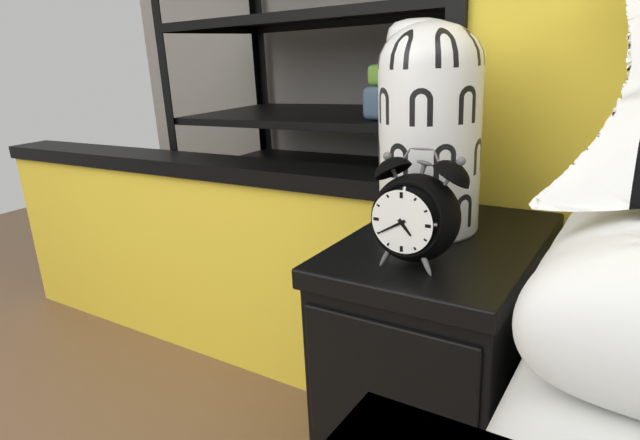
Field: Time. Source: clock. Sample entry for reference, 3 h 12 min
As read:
4 h 40 min
